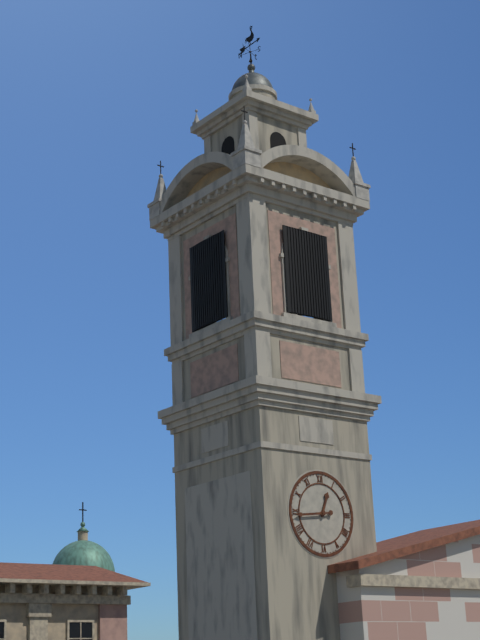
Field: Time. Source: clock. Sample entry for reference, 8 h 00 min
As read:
12 h 44 min
